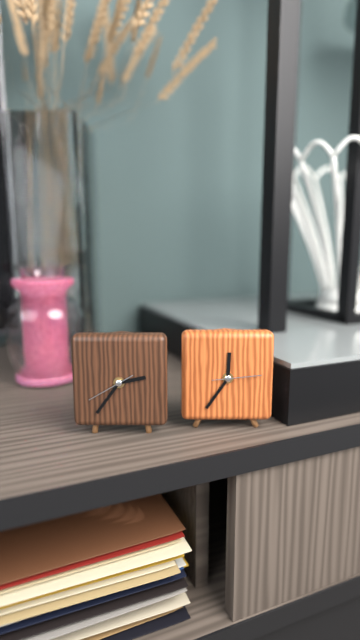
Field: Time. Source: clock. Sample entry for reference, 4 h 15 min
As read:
2 h 36 min
